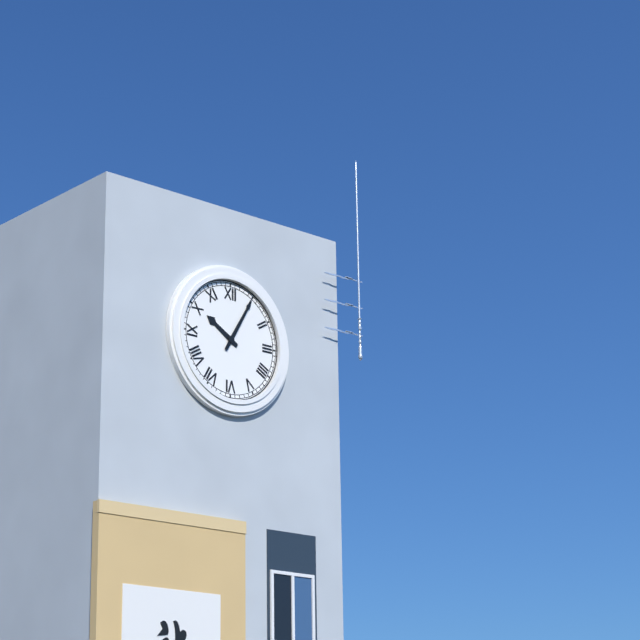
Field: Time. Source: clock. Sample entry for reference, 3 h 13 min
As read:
10 h 05 min
